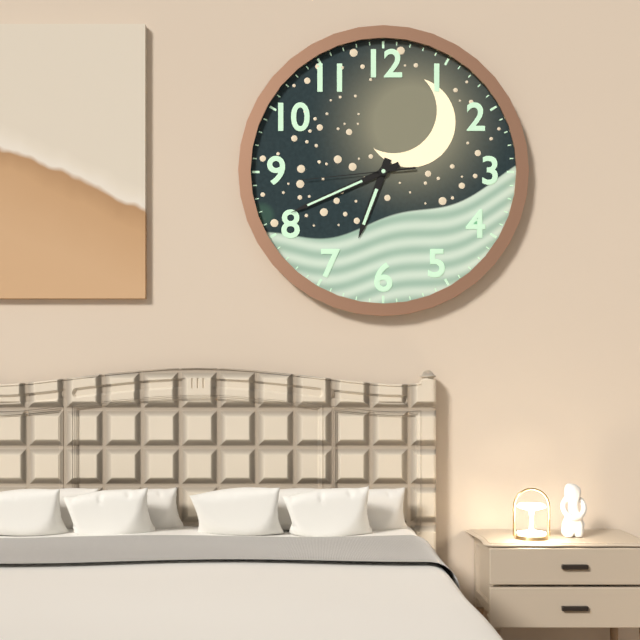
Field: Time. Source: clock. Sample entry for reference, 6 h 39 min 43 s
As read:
6 h 41 min 44 s
